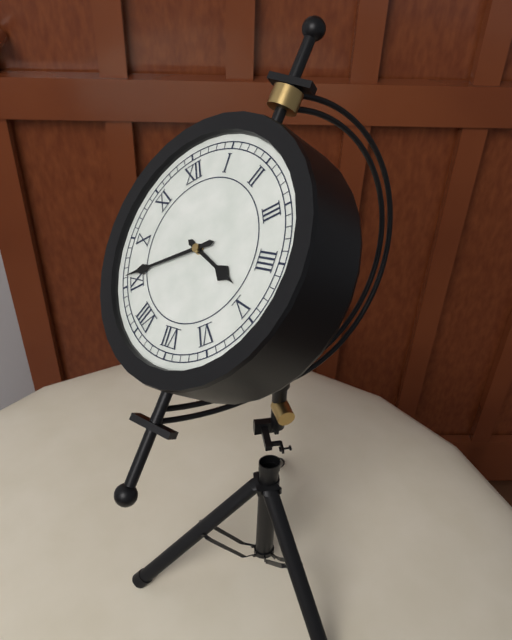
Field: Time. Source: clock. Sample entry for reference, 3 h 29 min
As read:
4 h 46 min
